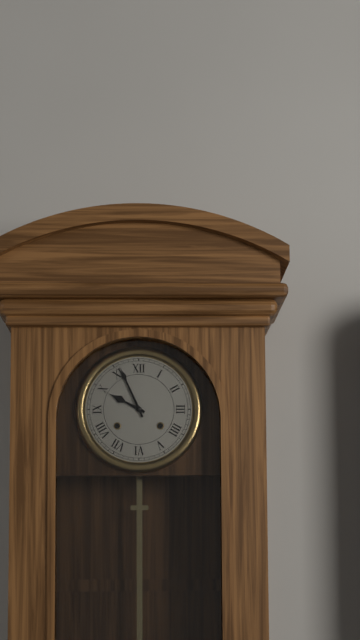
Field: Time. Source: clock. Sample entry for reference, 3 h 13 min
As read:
9 h 56 min
